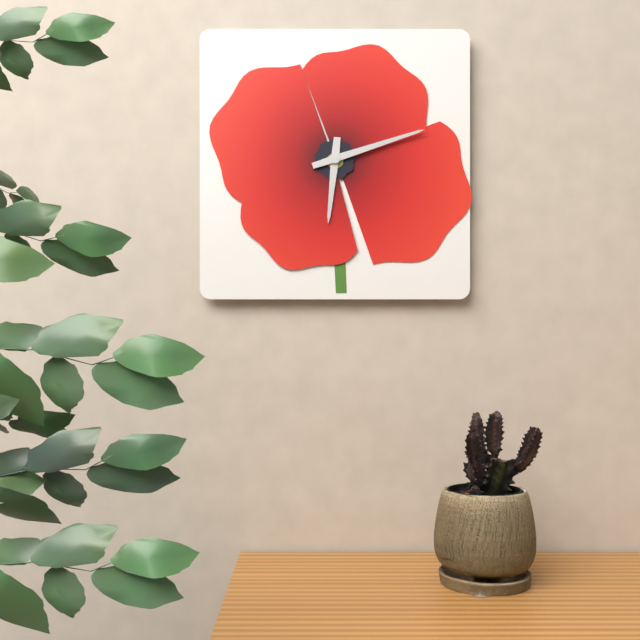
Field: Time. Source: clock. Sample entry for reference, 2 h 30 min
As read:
6 h 12 min
